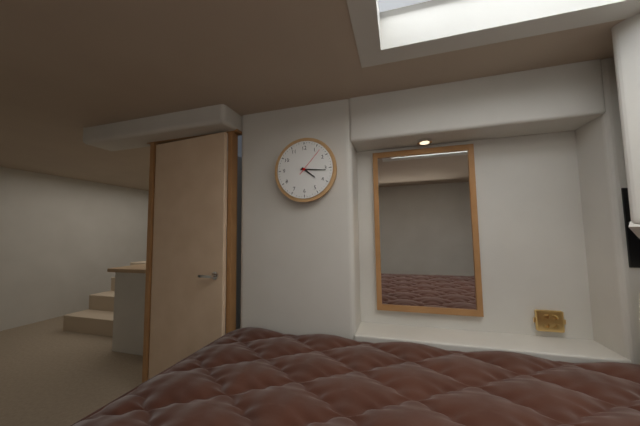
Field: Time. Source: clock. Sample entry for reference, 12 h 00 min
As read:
4 h 16 min
